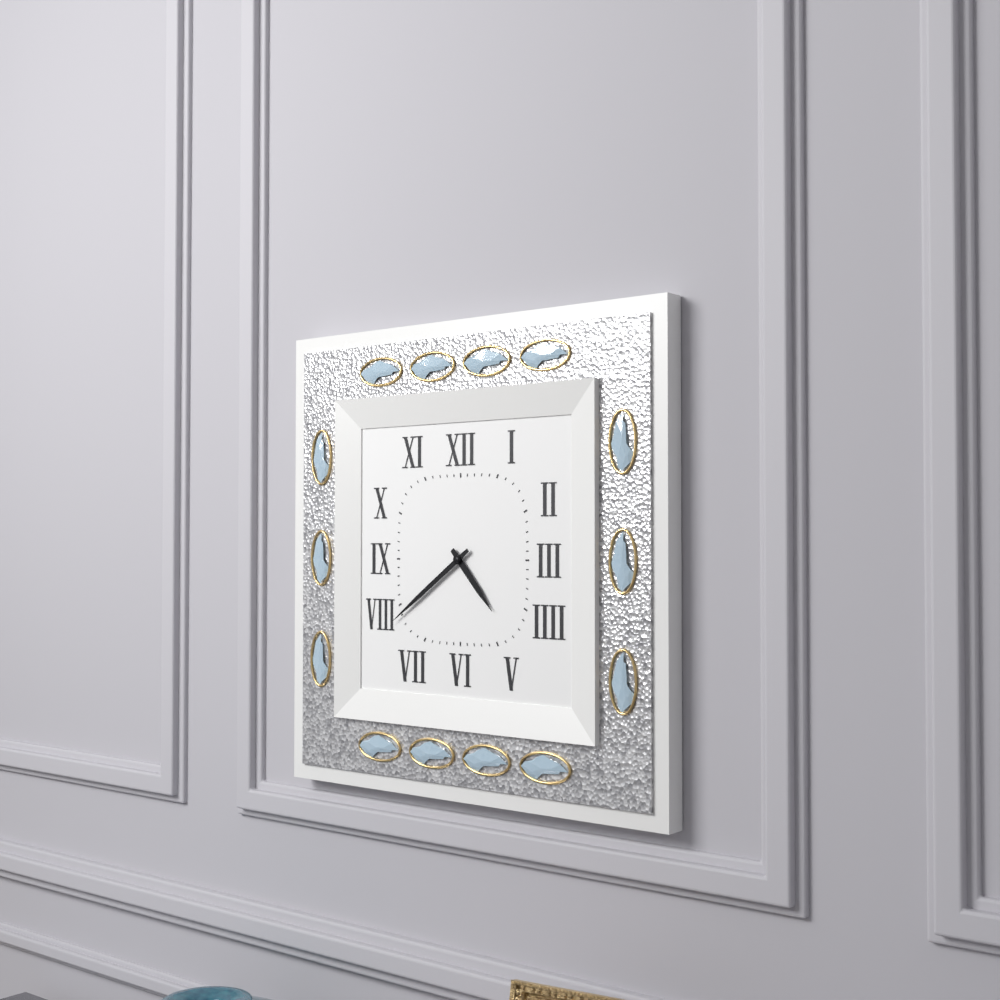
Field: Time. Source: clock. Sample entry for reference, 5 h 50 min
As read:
4 h 39 min
